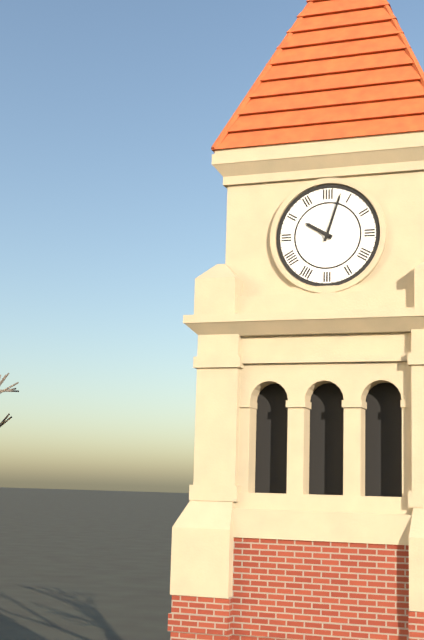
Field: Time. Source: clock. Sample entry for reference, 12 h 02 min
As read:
10 h 03 min
